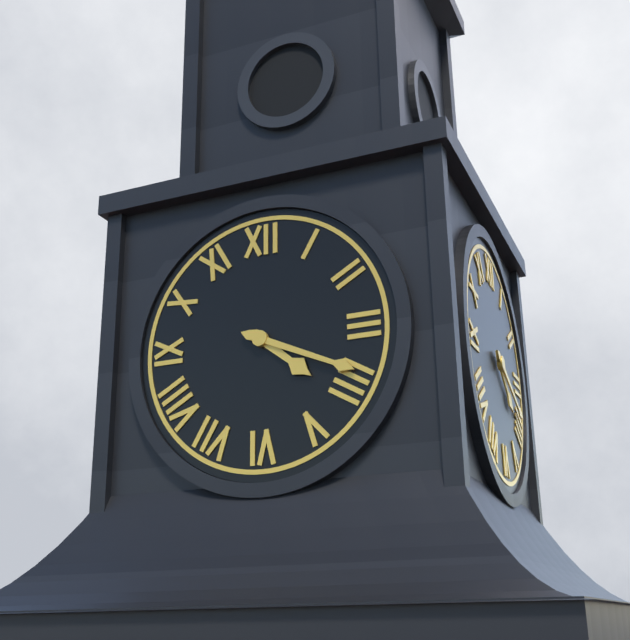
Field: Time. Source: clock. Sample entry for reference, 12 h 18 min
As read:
4 h 19 min
